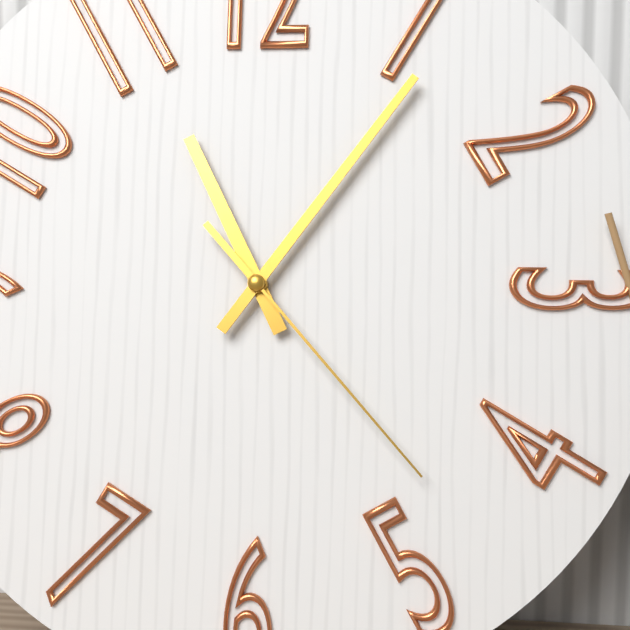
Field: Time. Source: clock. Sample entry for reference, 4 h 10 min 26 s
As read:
11 h 06 min 23 s
